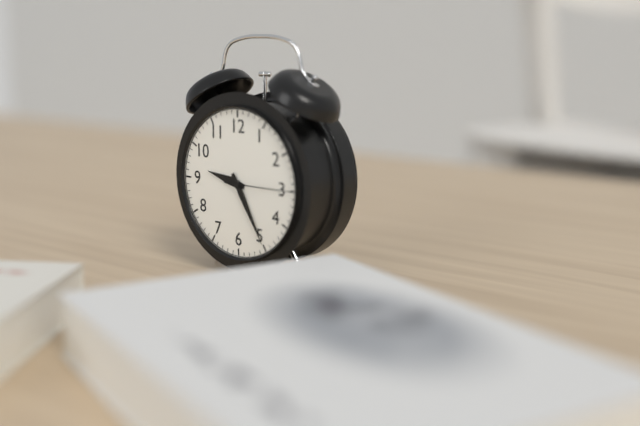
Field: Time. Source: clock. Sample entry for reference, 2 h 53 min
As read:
9 h 25 min
